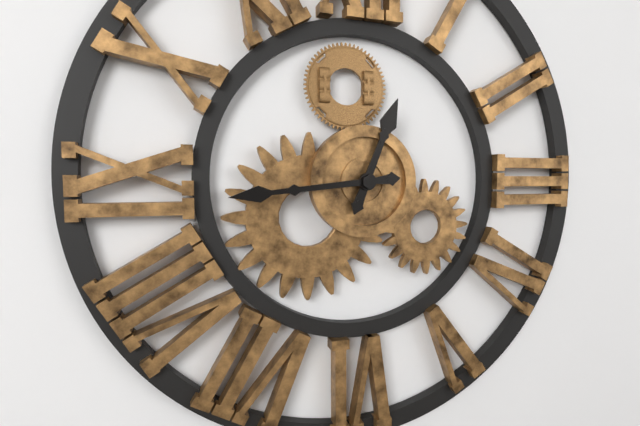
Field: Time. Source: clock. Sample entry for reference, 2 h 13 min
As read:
12 h 44 min
